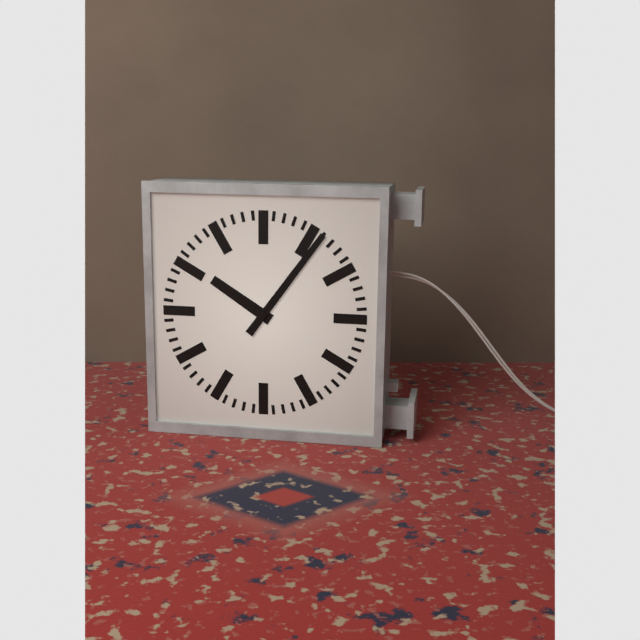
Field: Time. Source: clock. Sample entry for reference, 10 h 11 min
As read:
10 h 06 min
